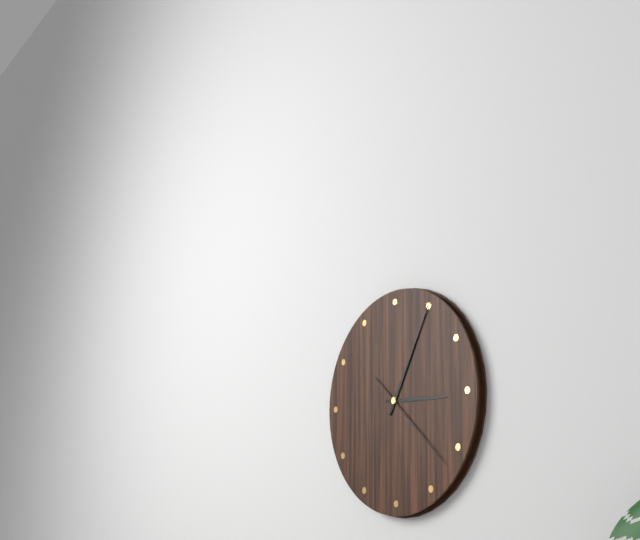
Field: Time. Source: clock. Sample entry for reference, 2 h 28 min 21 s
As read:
3 h 05 min 22 s
